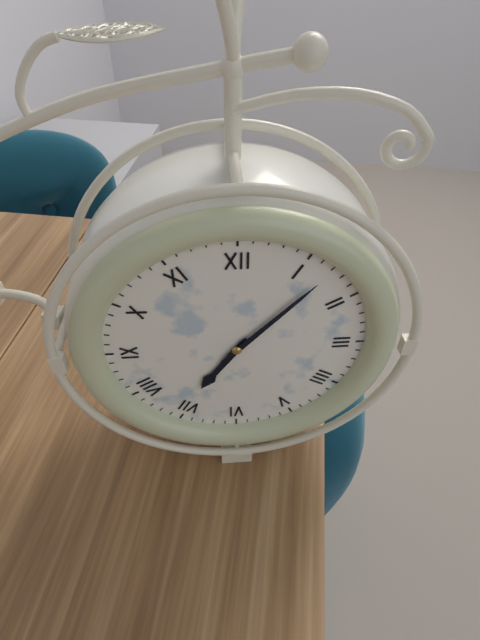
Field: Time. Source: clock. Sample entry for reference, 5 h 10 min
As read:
7 h 07 min
